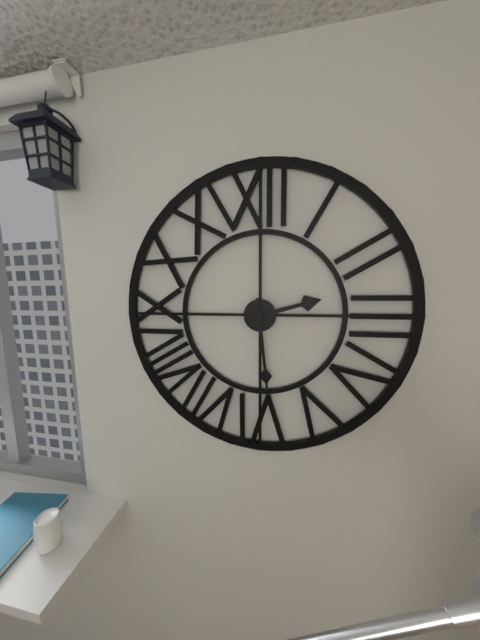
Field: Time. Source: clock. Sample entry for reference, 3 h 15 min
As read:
2 h 29 min
